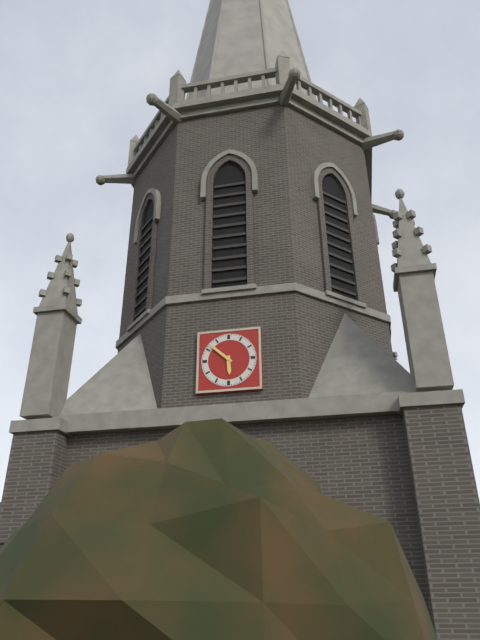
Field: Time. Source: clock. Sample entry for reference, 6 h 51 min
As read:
5 h 52 min
